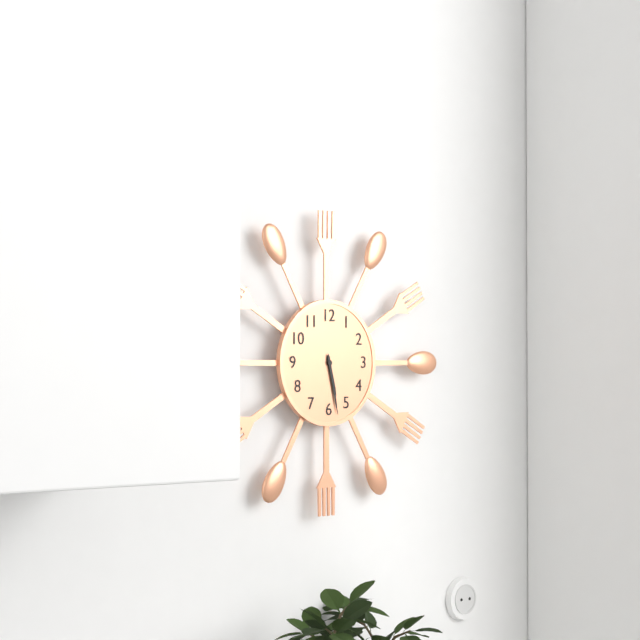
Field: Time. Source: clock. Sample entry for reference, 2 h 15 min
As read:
5 h 28 min
